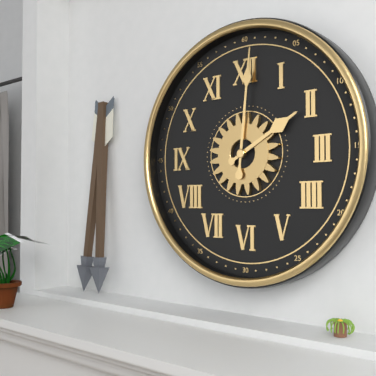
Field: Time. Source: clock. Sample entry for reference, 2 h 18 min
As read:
2 h 01 min
